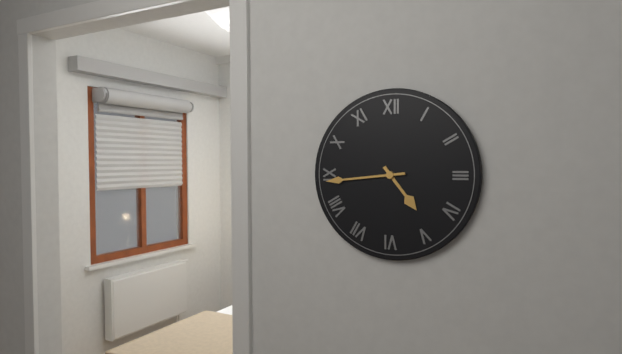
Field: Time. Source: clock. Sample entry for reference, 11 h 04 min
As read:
4 h 44 min
